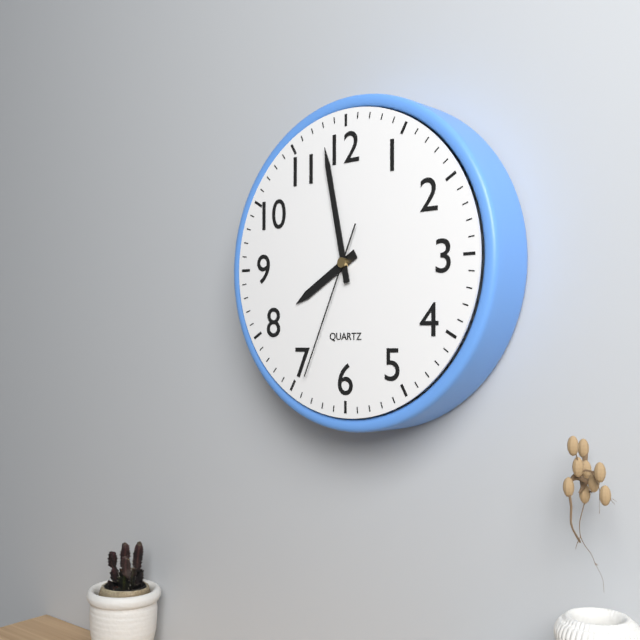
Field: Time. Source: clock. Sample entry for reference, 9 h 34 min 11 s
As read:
7 h 58 min 34 s
